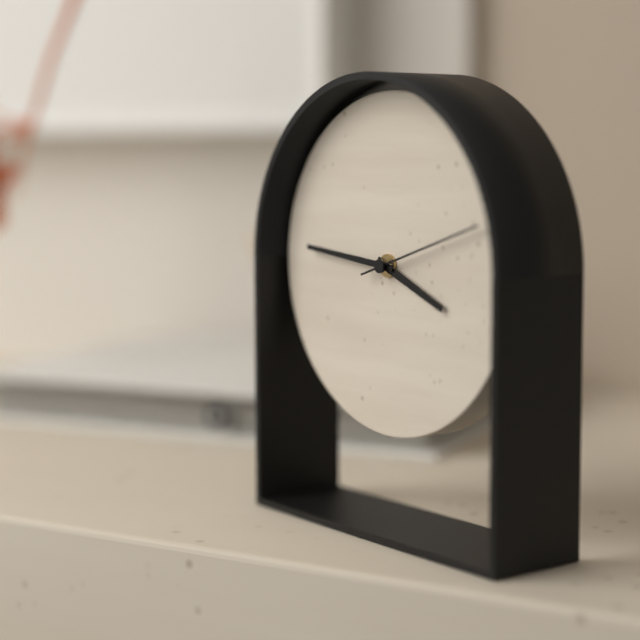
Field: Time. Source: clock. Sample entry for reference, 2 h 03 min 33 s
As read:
3 h 46 min 12 s
